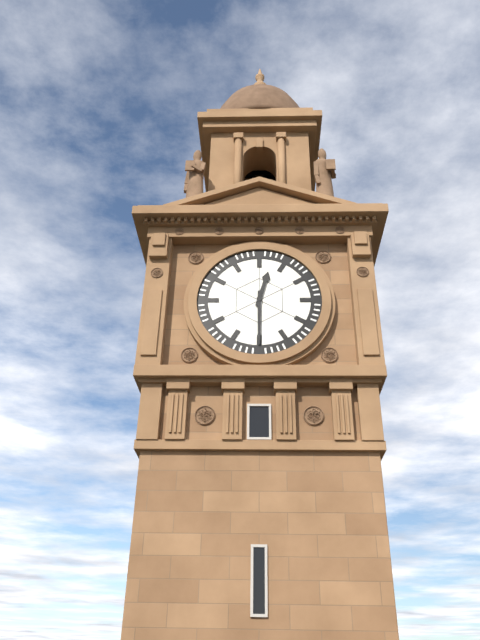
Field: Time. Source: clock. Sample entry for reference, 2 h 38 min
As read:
12 h 30 min
